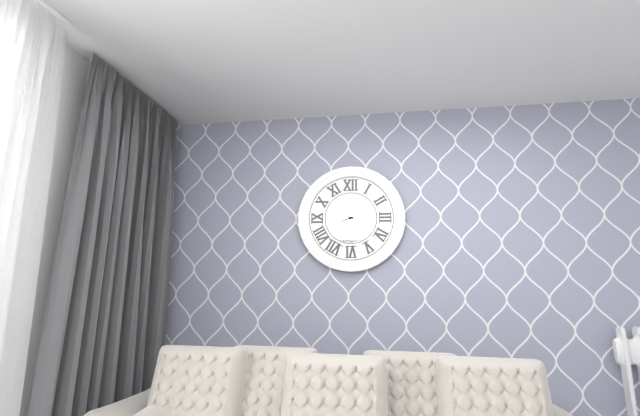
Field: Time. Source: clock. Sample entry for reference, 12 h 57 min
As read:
8 h 19 min
